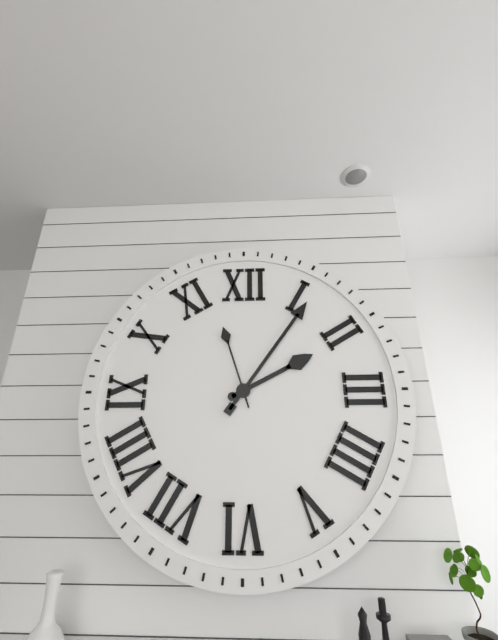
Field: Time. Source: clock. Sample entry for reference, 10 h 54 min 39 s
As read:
2 h 06 min 57 s
